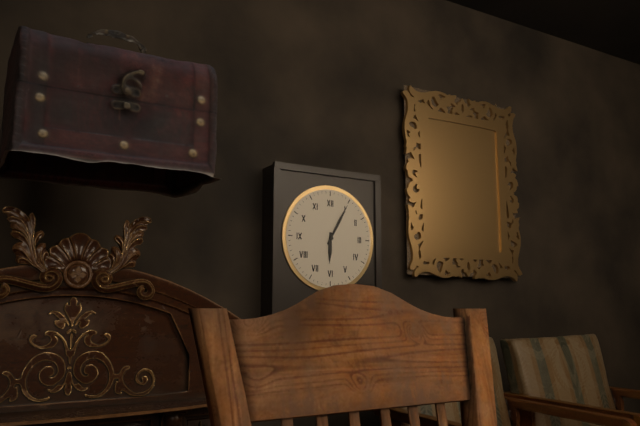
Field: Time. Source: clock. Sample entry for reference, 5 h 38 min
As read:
6 h 05 min
